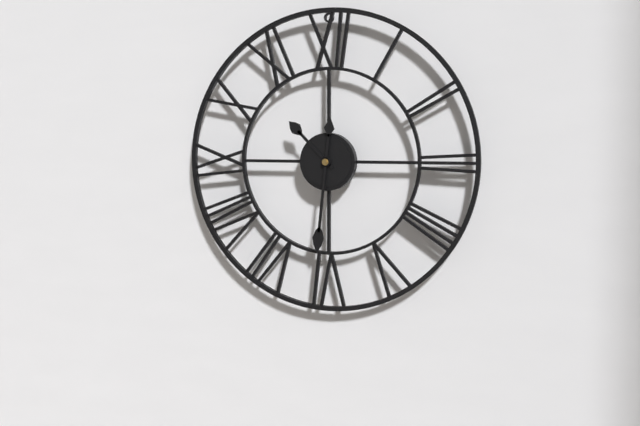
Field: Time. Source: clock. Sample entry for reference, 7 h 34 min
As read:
10 h 31 min
